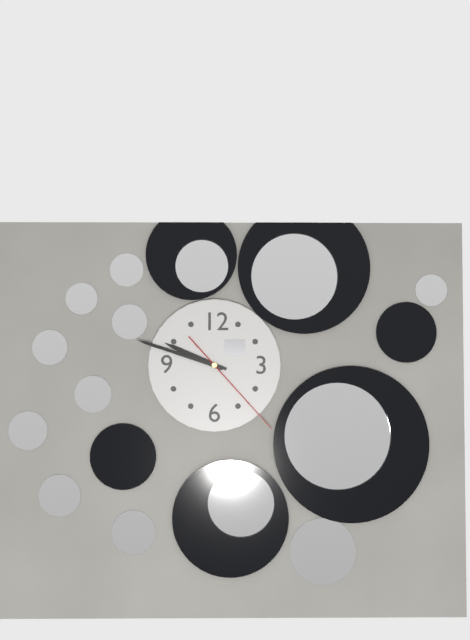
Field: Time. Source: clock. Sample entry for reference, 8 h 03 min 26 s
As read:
9 h 48 min 23 s
